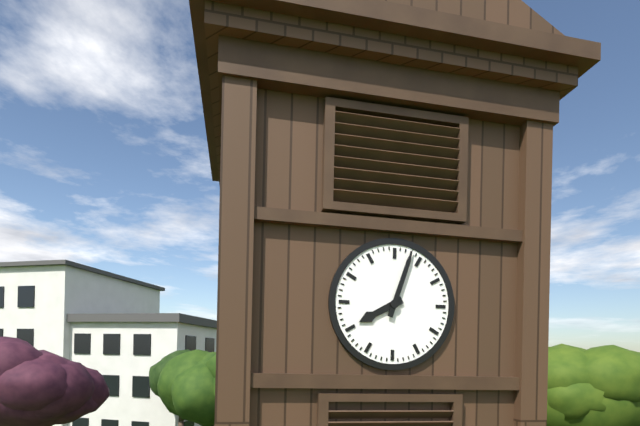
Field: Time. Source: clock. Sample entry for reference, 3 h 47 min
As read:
8 h 03 min
